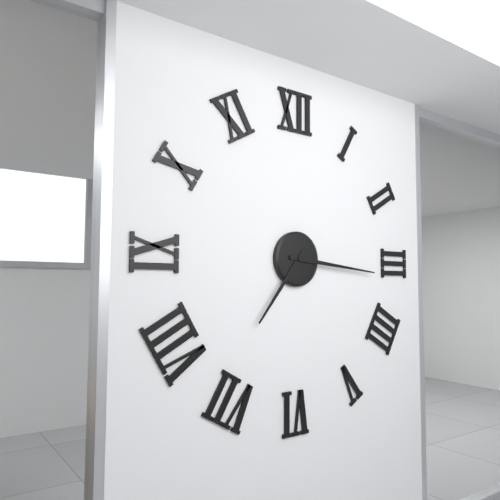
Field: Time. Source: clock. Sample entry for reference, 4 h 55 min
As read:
7 h 16 min
